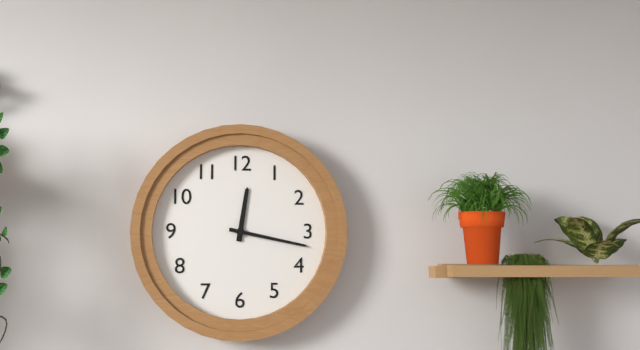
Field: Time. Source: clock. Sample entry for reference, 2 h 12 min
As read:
12 h 17 min
